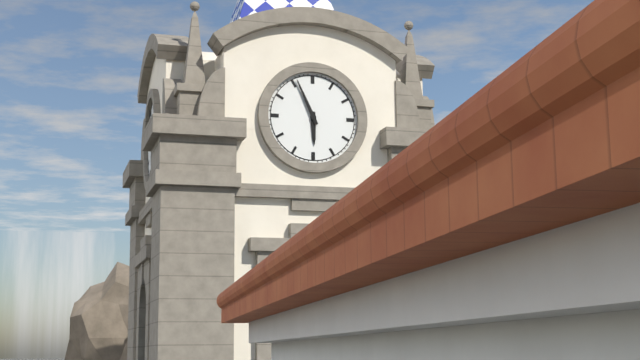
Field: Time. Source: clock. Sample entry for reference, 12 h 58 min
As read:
5 h 56 min
